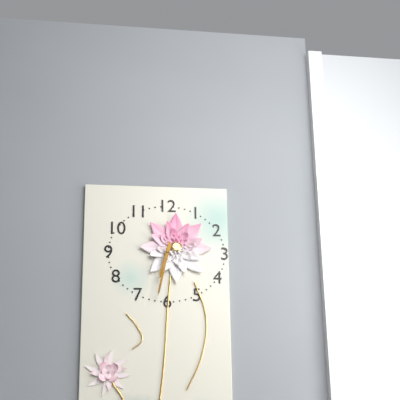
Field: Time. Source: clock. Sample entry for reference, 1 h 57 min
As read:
6 h 32 min
